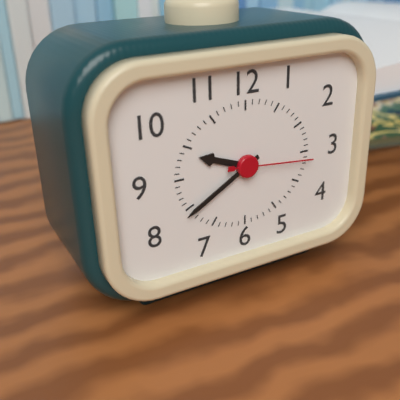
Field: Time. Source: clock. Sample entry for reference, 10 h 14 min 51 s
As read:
9 h 40 min 16 s
